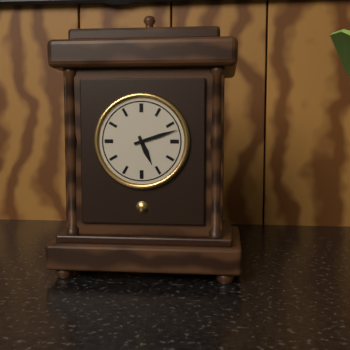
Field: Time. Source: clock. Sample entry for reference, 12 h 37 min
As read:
5 h 12 min
